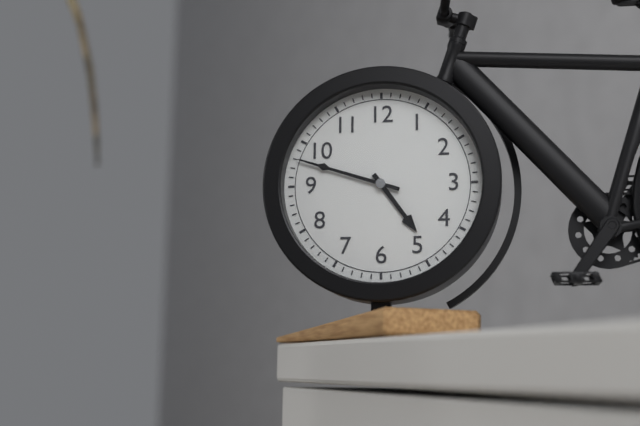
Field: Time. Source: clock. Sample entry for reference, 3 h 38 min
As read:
4 h 48 min
